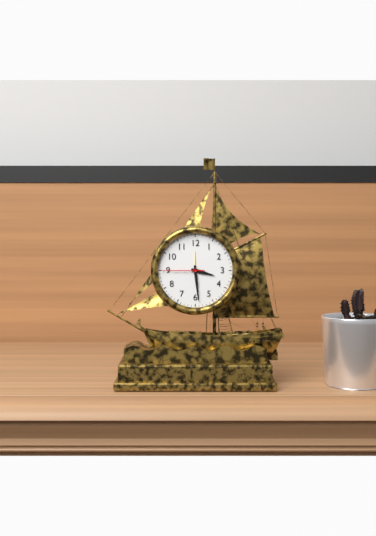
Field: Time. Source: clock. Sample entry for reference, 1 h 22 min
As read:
3 h 29 min
